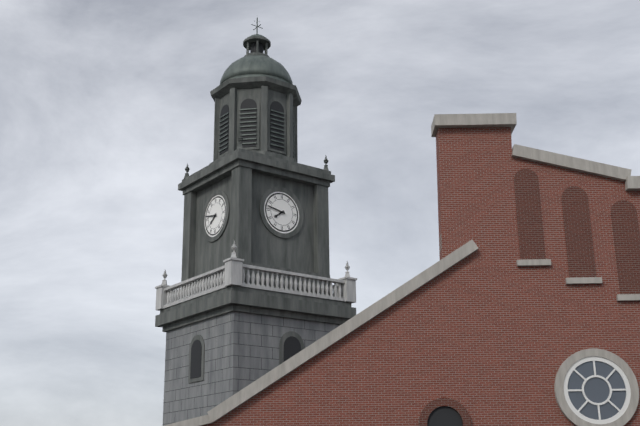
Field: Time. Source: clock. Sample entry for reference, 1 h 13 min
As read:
7 h 47 min
